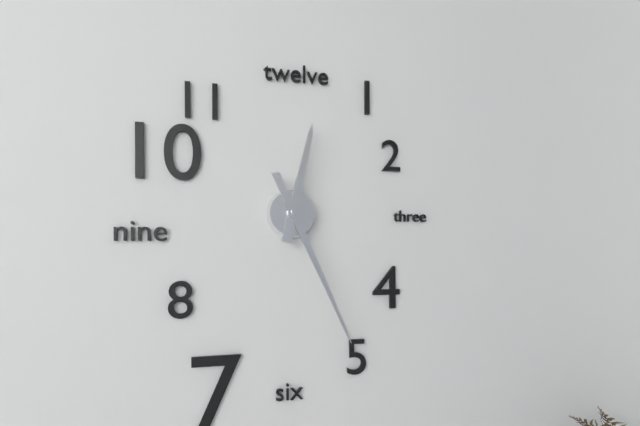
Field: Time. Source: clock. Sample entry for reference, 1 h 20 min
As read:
12 h 26 min
